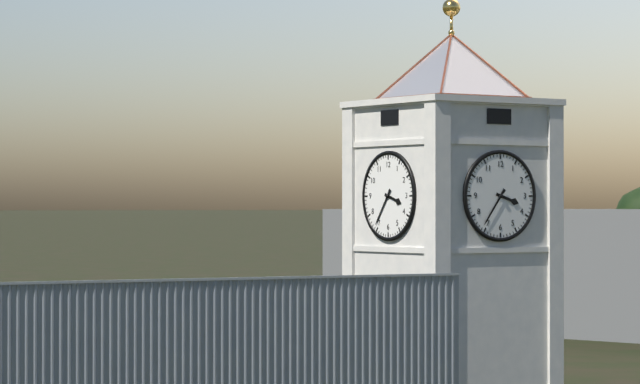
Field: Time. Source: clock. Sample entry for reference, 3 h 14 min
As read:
3 h 36 min
